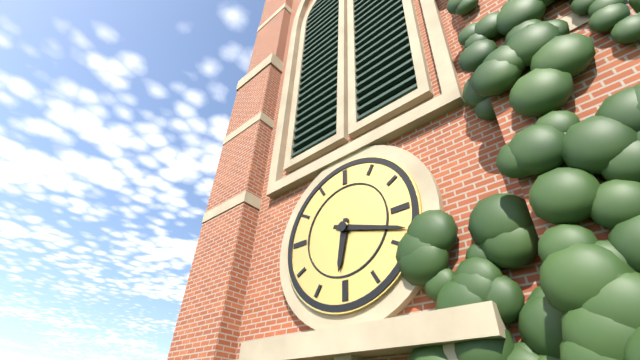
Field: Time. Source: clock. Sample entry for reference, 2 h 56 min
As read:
6 h 18 min
